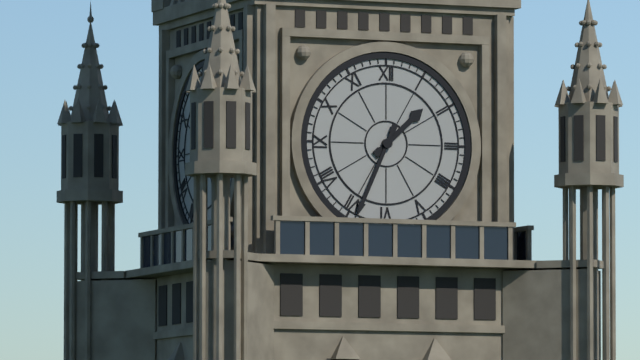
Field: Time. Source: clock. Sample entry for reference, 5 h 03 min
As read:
1 h 34 min
